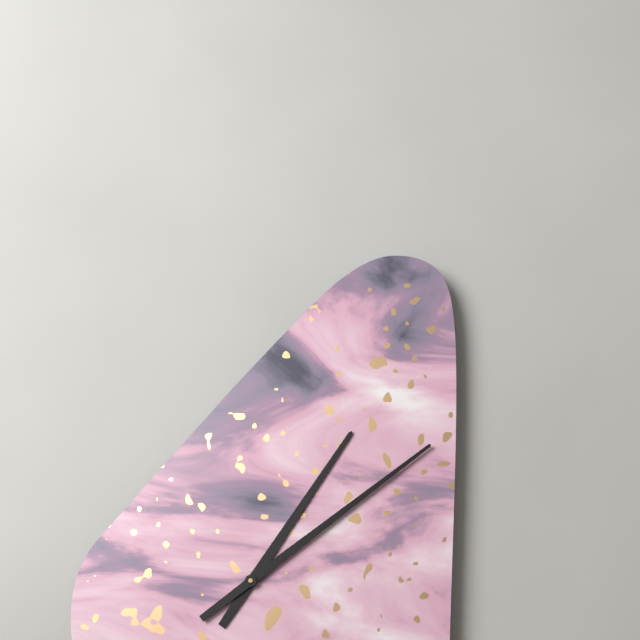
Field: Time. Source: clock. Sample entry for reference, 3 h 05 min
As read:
1 h 09 min
